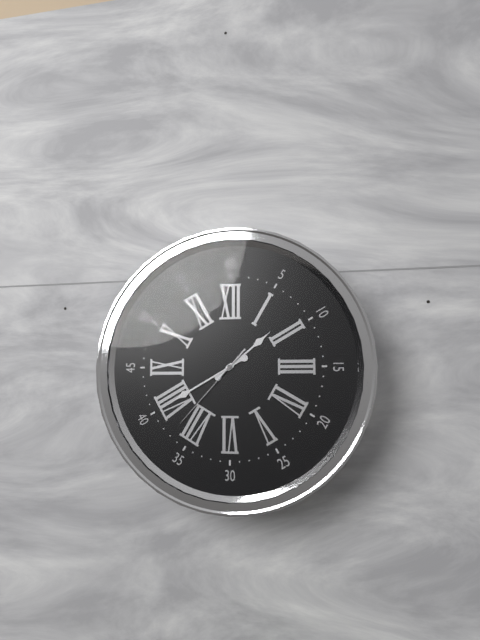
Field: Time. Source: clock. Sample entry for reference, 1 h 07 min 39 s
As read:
1 h 40 min 37 s
